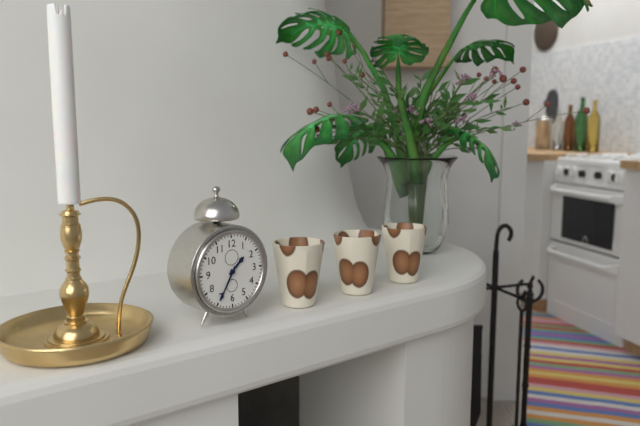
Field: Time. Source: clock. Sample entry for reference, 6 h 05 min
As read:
1 h 35 min
